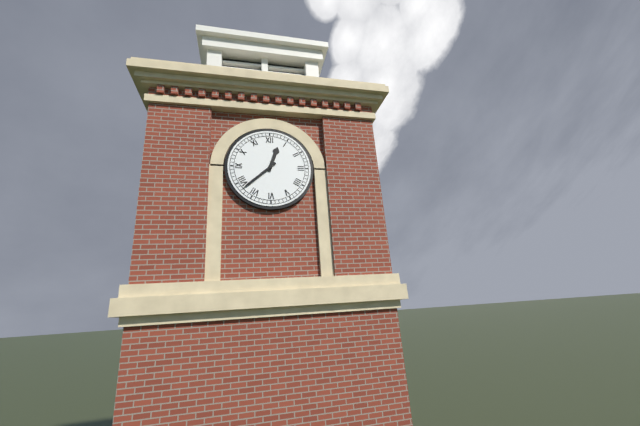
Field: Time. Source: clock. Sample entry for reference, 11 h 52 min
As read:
12 h 38 min
